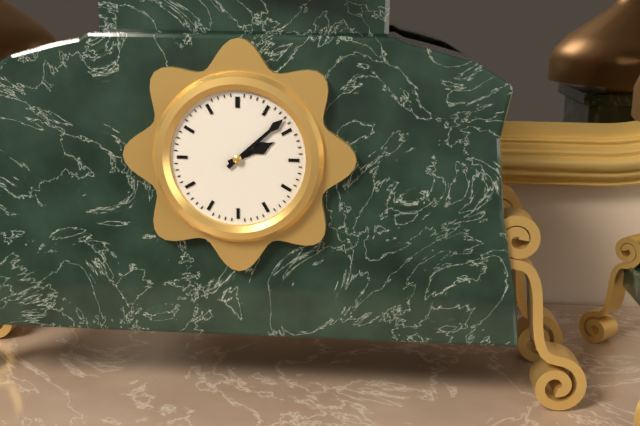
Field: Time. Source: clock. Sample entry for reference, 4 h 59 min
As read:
2 h 08 min
